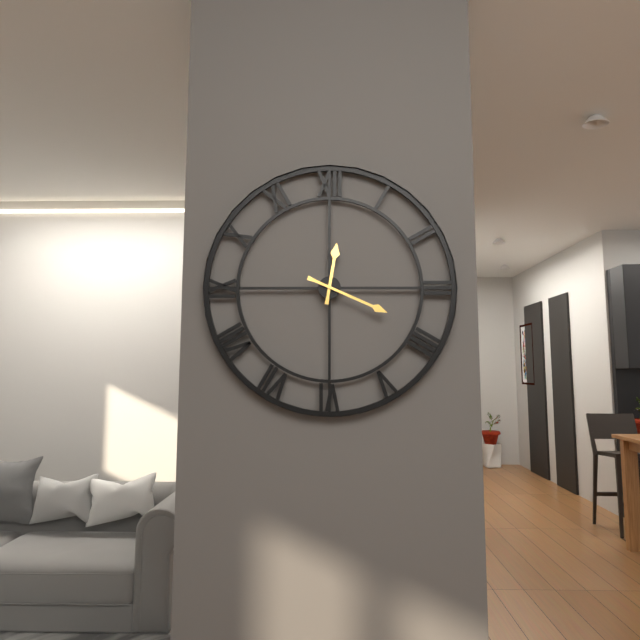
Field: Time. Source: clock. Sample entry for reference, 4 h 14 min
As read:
12 h 19 min
